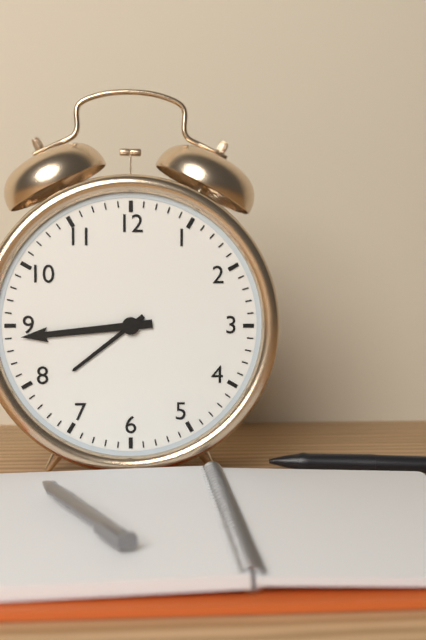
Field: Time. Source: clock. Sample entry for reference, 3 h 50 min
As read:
7 h 44 min
